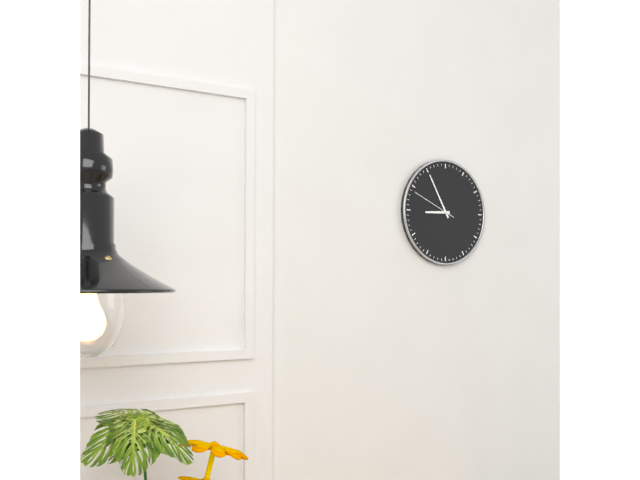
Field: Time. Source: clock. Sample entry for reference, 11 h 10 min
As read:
8 h 55 min
